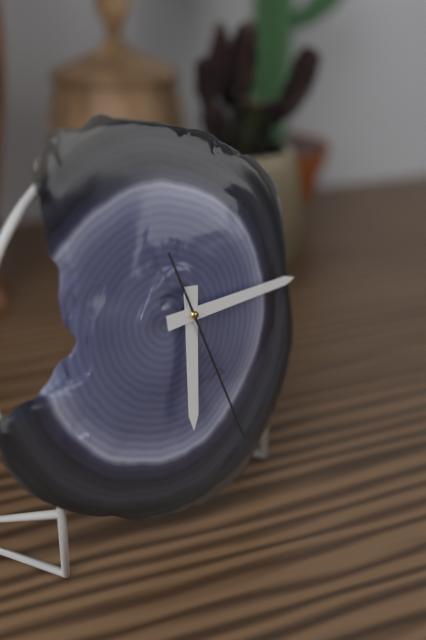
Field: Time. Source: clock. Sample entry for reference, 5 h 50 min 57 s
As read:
6 h 15 min 27 s
